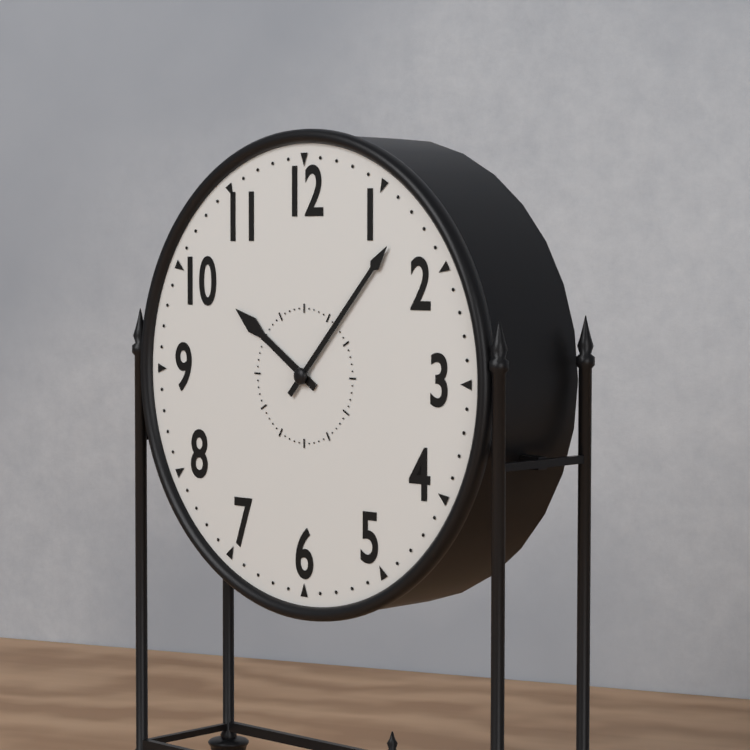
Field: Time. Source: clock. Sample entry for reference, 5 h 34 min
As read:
10 h 07 min
